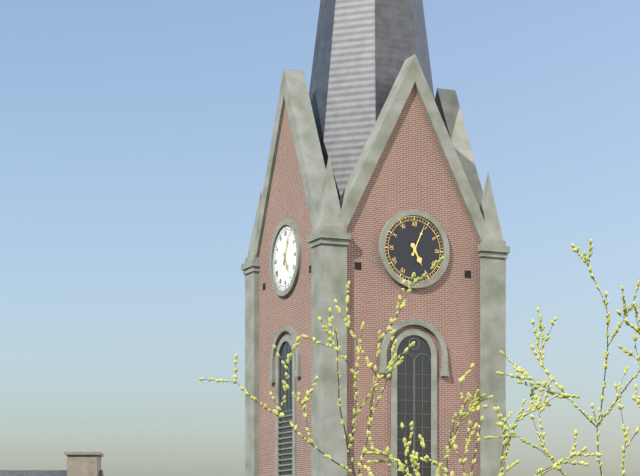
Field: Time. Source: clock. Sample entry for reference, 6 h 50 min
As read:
5 h 04 min
